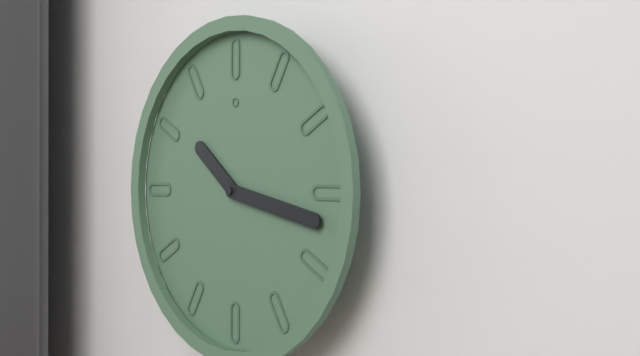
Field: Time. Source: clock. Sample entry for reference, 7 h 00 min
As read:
10 h 17 min
